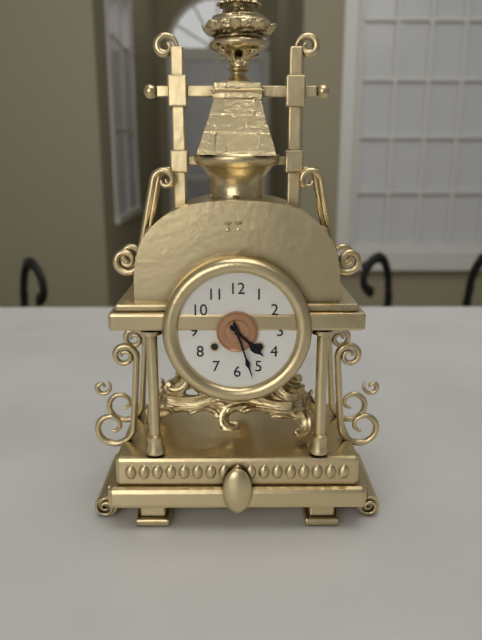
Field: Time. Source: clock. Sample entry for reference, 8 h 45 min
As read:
4 h 27 min
